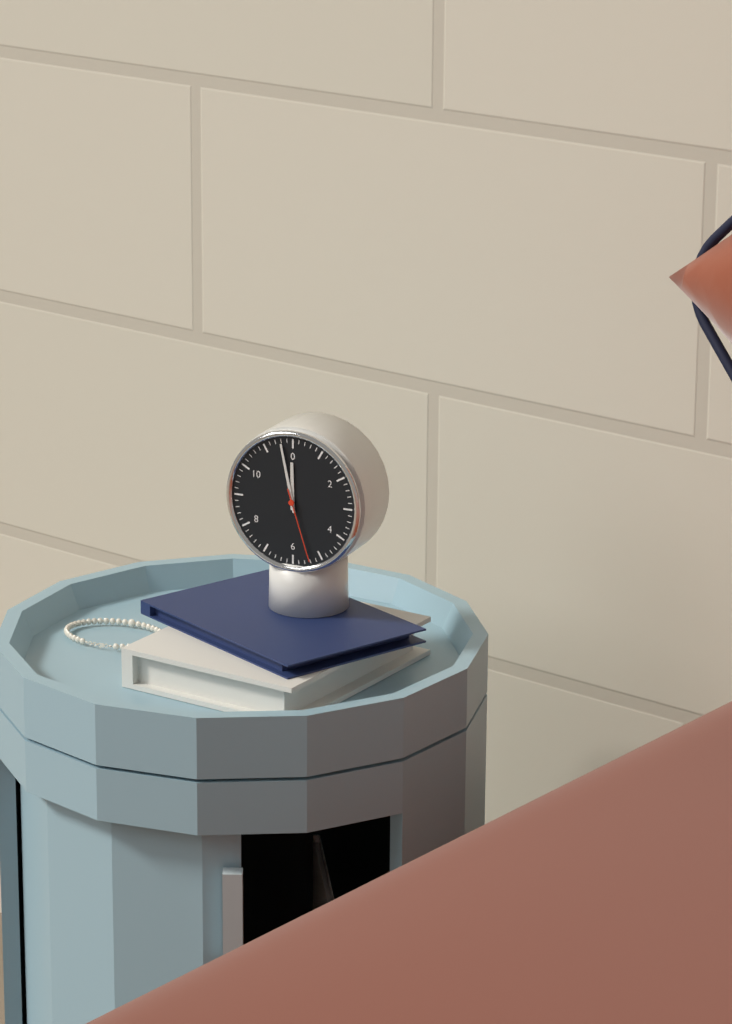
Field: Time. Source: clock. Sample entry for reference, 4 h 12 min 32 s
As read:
11 h 58 min 27 s
